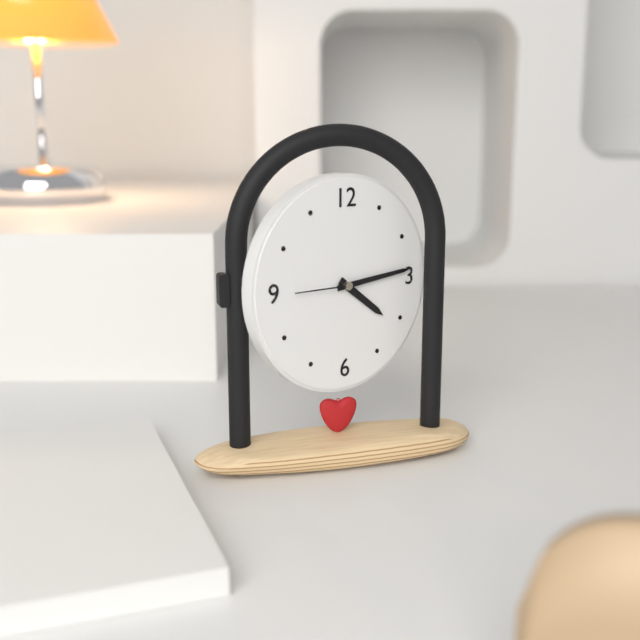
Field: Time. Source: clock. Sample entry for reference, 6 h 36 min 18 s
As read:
4 h 14 min 45 s
